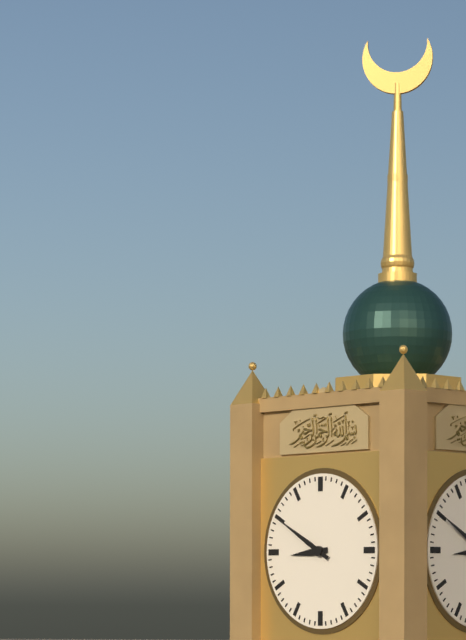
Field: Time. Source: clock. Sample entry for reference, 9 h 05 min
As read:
8 h 50 min
